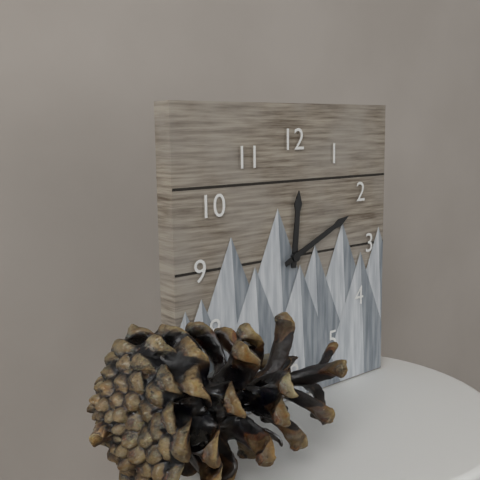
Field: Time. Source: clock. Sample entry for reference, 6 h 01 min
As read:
12 h 11 min
